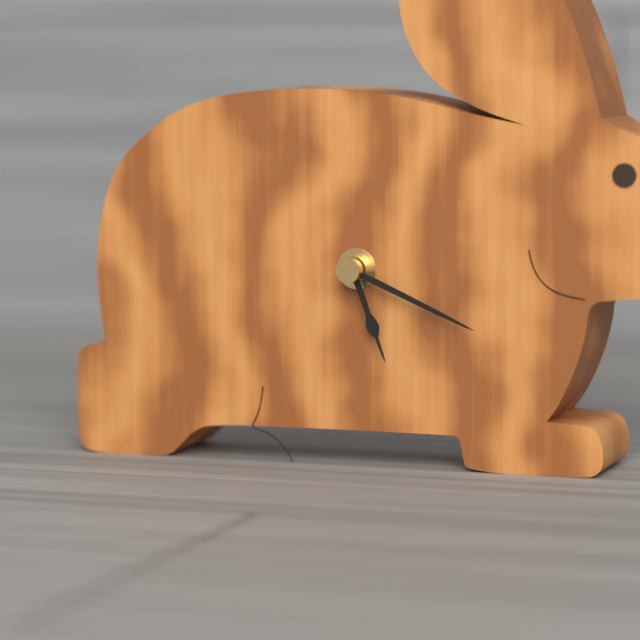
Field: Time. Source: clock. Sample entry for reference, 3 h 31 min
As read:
5 h 19 min
